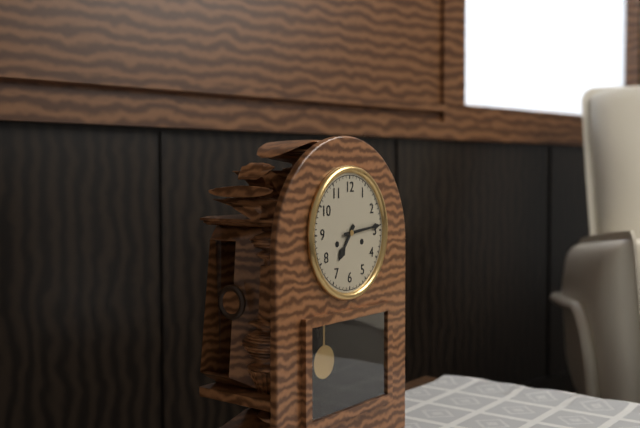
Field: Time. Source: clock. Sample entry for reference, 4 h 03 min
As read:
7 h 14 min
